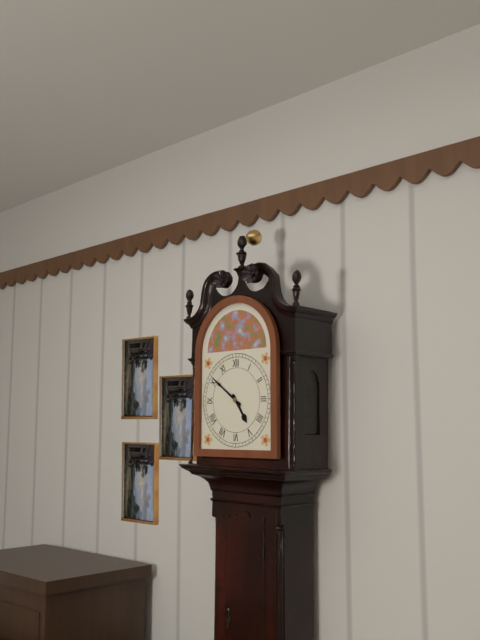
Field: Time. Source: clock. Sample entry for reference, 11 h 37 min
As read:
4 h 51 min
